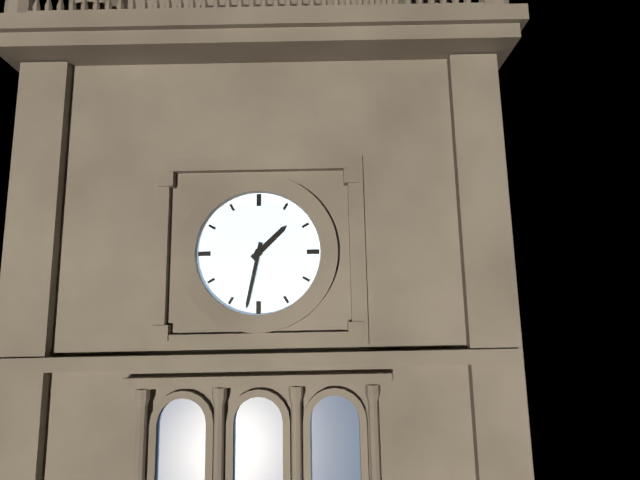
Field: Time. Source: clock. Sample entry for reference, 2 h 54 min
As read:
1 h 32 min
